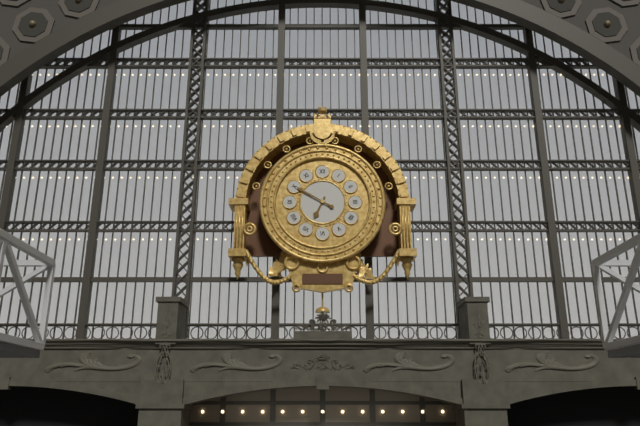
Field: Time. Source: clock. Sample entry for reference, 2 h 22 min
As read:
6 h 50 min
